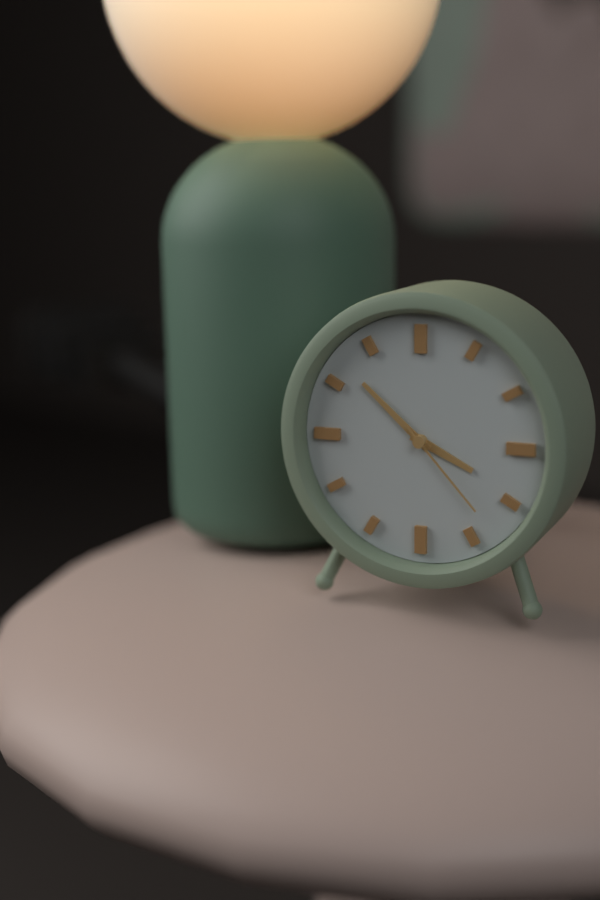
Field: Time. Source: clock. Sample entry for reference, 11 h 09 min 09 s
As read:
3 h 52 min 23 s
